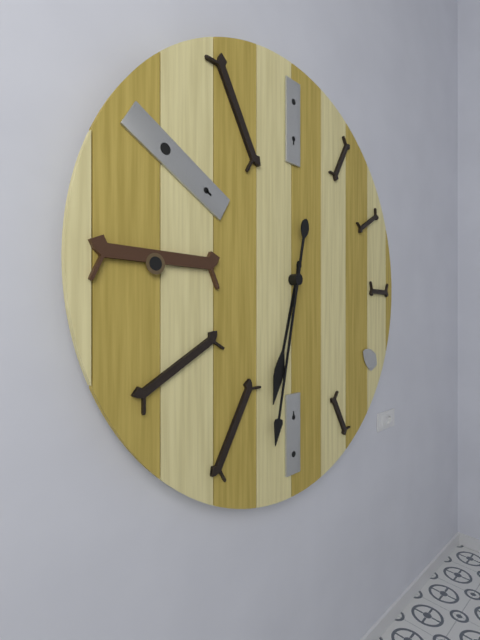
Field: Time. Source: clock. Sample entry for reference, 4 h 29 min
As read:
6 h 32 min
